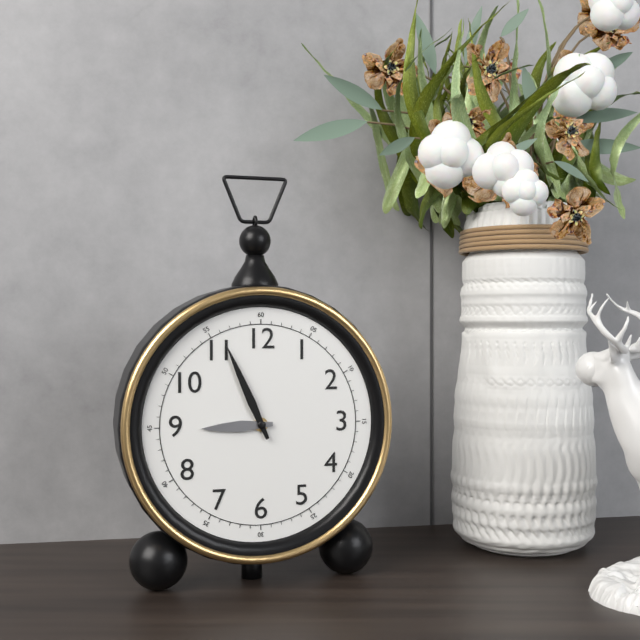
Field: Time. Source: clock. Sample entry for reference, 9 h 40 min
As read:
8 h 56 min
